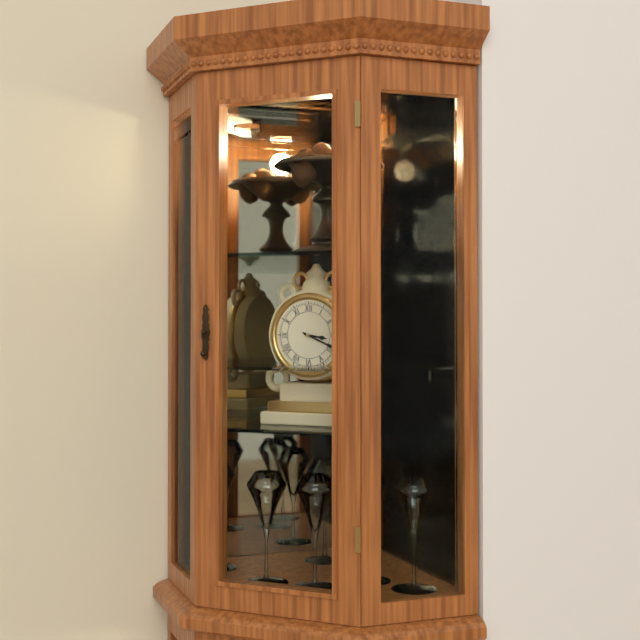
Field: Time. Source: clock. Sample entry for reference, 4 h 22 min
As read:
3 h 19 min
